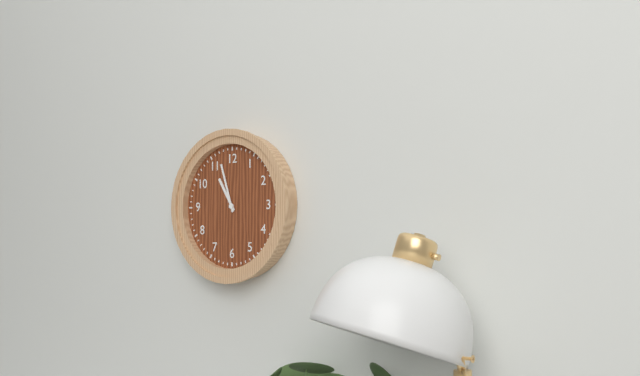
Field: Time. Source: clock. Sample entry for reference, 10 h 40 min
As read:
10 h 57 min
